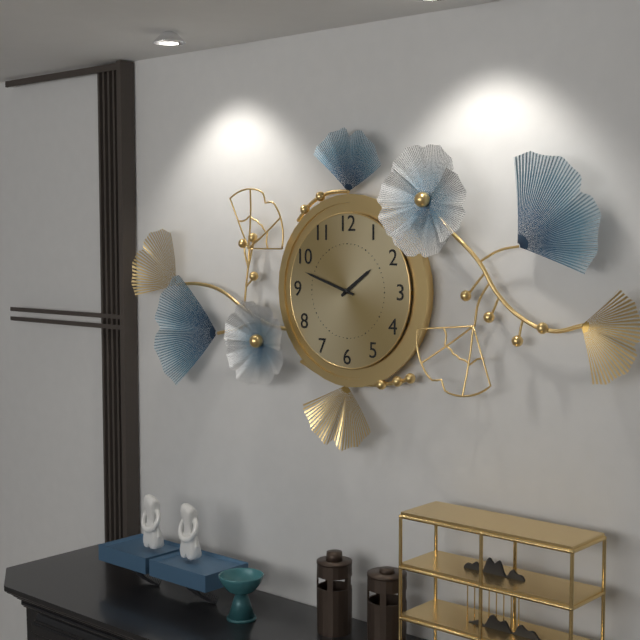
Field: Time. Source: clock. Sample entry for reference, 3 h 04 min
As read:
1 h 48 min
